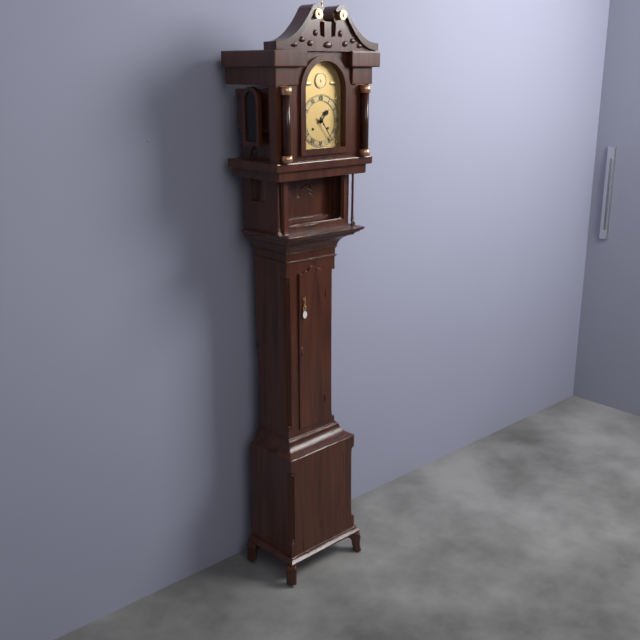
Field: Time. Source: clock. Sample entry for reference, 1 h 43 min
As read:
1 h 24 min
